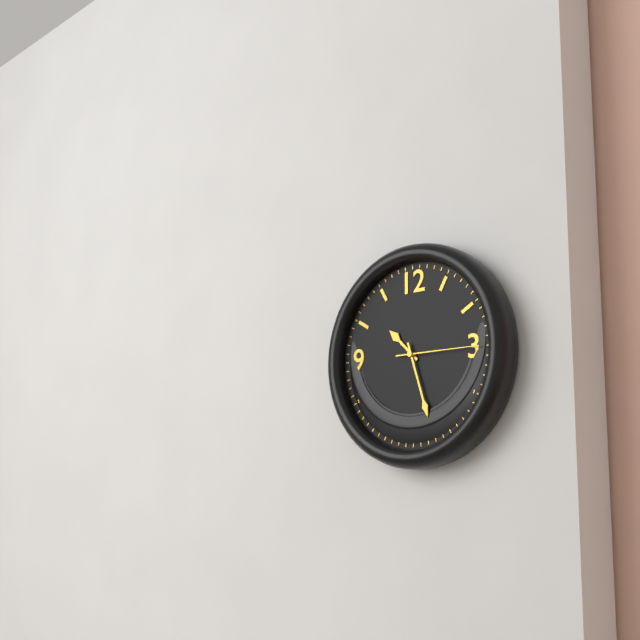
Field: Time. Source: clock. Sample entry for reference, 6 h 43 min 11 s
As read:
10 h 27 min 15 s
